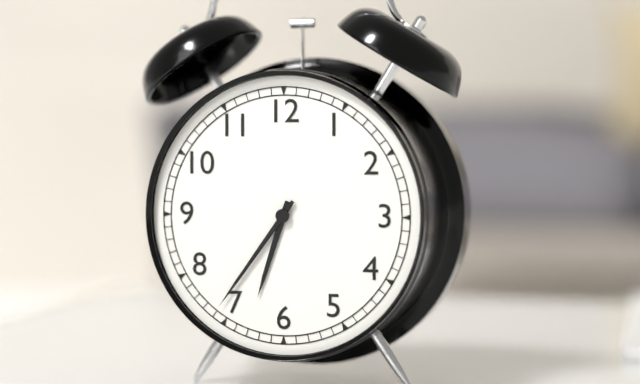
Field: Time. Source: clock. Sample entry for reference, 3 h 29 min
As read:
6 h 36 min
